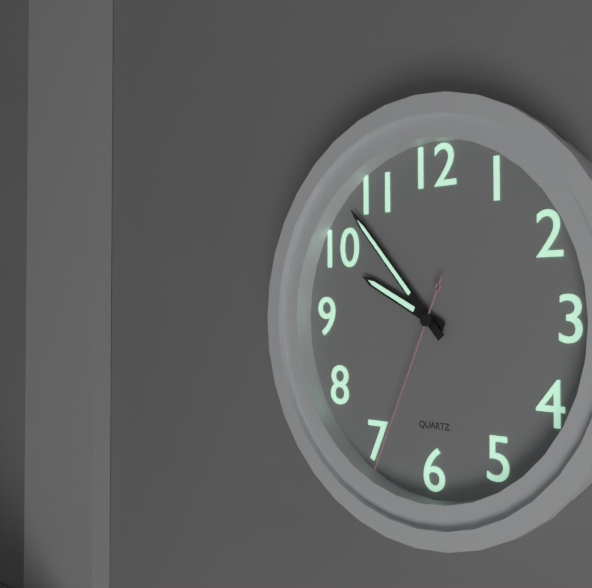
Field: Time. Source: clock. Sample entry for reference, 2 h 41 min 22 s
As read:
9 h 53 min 34 s
